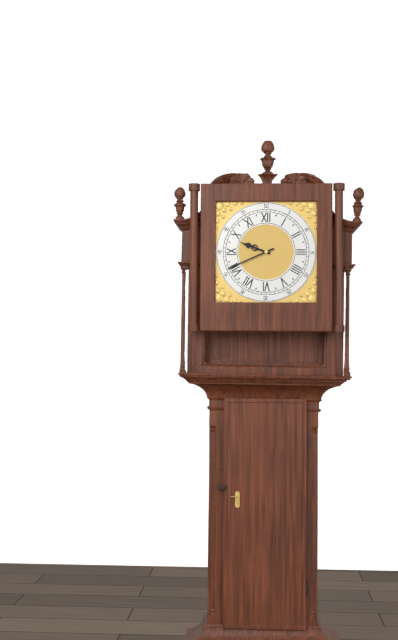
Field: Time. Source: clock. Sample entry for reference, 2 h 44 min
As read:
9 h 41 min
